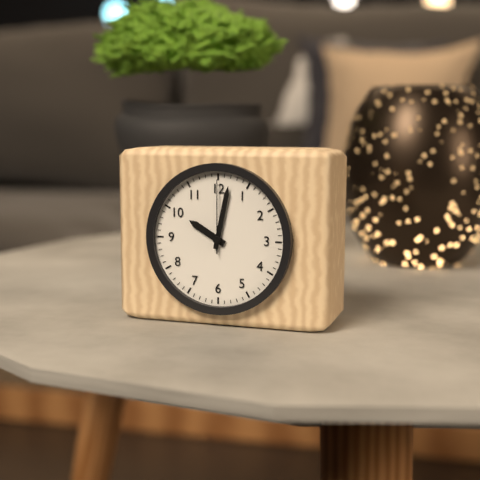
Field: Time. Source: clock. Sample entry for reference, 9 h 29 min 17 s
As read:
10 h 02 min 00 s
